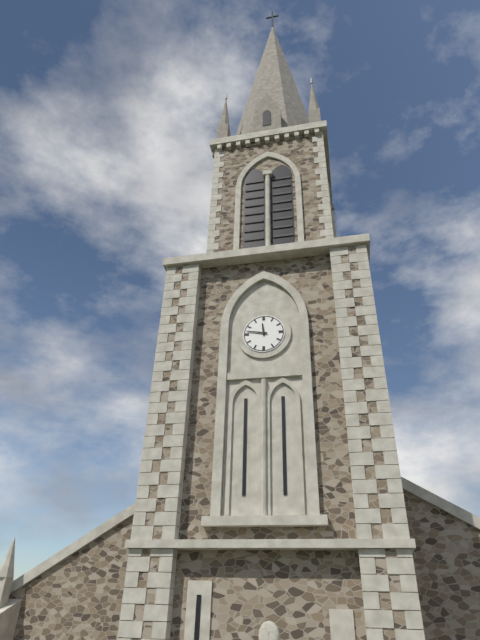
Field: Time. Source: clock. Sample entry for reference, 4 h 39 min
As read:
11 h 47 min
